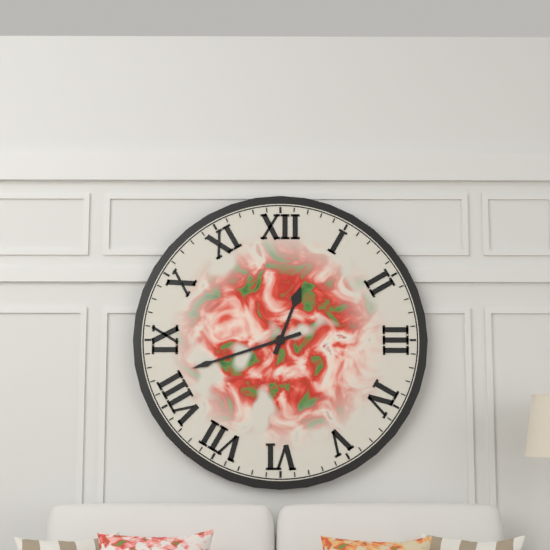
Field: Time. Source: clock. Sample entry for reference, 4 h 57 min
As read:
12 h 42 min
